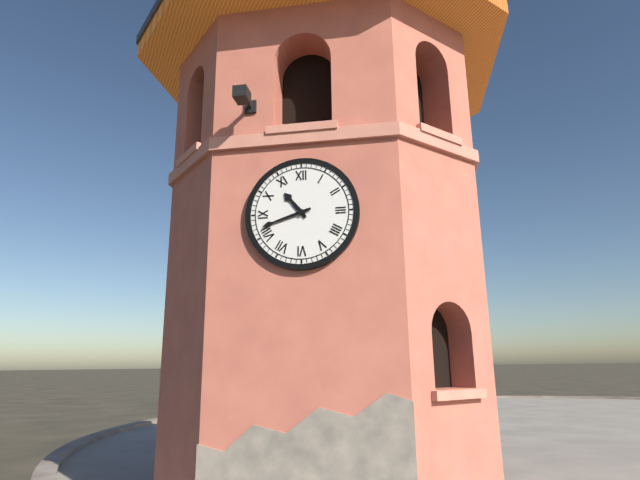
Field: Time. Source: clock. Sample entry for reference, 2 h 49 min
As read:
10 h 42 min
